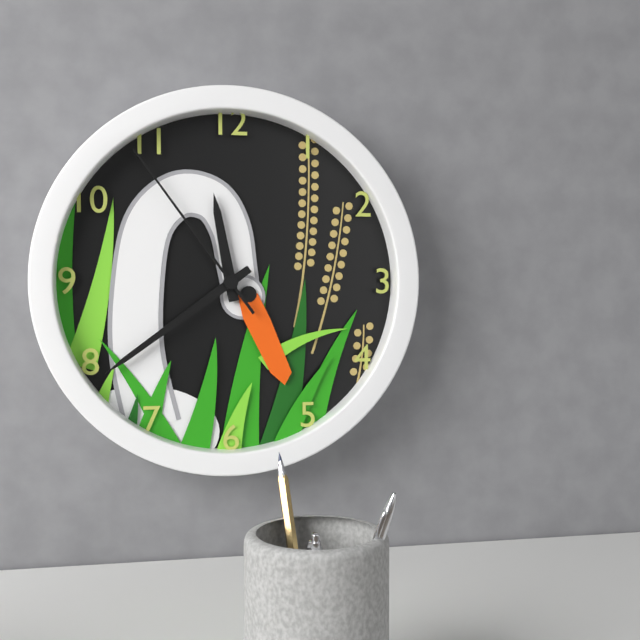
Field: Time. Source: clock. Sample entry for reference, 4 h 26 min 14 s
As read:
11 h 39 min 54 s
